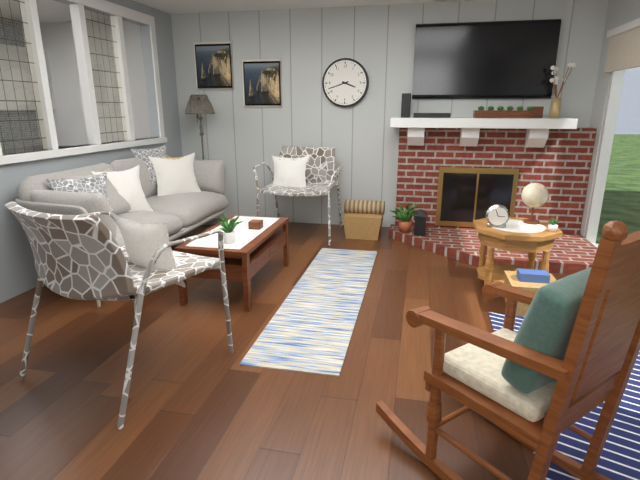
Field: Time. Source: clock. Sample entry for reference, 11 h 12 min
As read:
3 h 42 min
